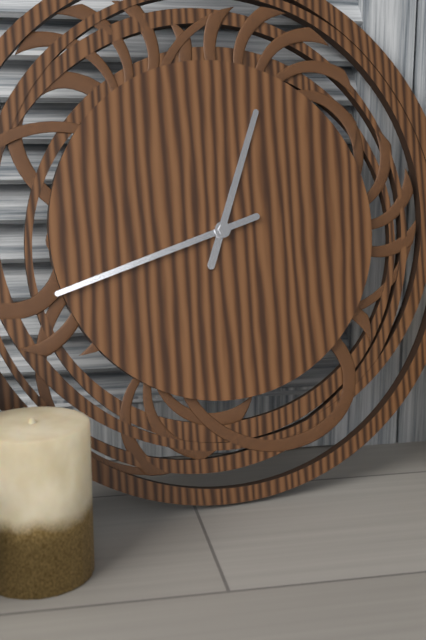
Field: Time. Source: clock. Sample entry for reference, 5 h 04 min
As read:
12 h 42 min
